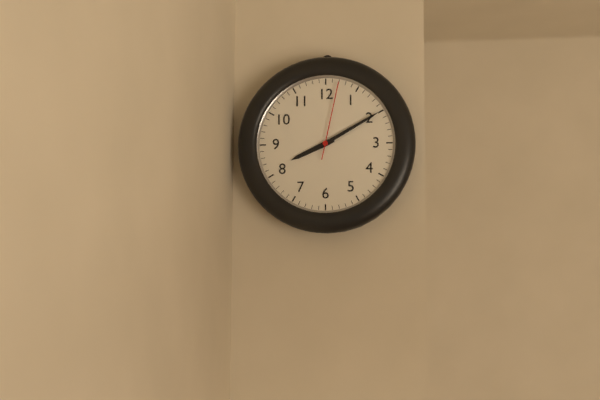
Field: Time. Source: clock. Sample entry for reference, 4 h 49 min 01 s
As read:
8 h 10 min 02 s
